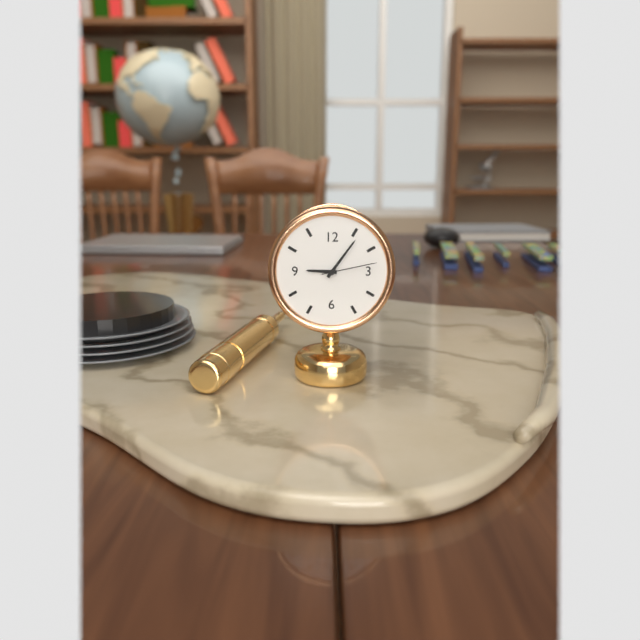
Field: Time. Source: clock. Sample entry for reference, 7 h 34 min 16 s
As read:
9 h 06 min 13 s
